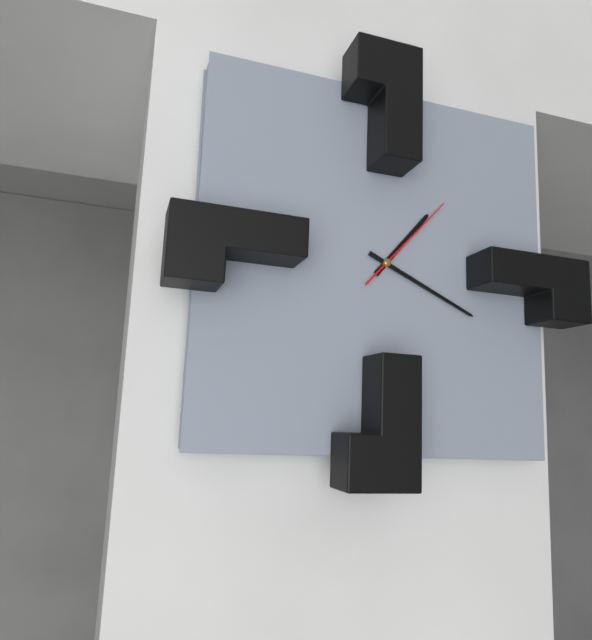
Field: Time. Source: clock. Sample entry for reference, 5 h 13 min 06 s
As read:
1 h 19 min 07 s
